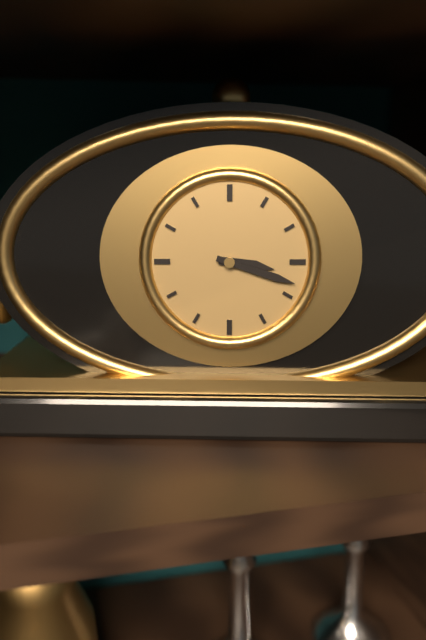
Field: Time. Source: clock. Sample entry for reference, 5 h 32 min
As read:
3 h 18 min
